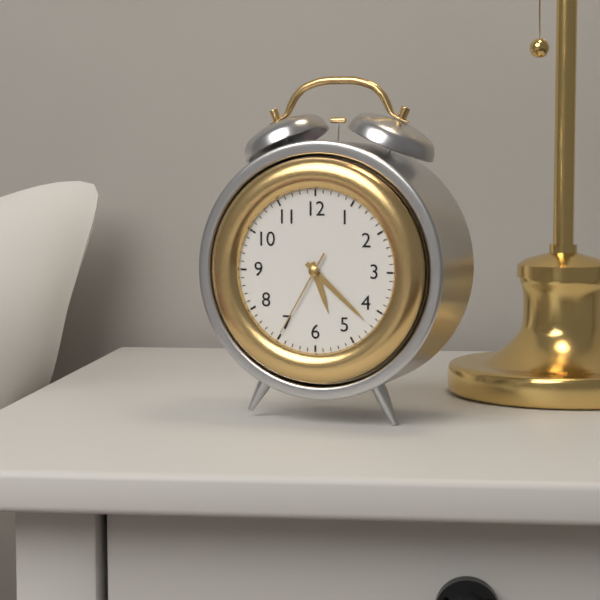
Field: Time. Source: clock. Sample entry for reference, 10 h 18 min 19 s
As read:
5 h 22 min 35 s
